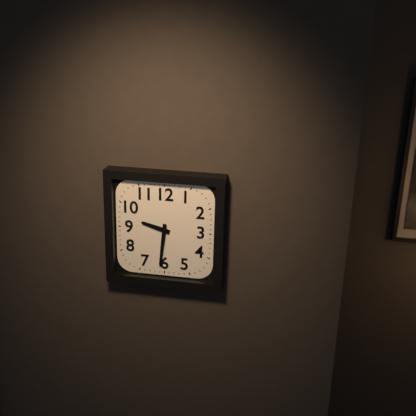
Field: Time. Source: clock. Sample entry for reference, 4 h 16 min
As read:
9 h 31 min
